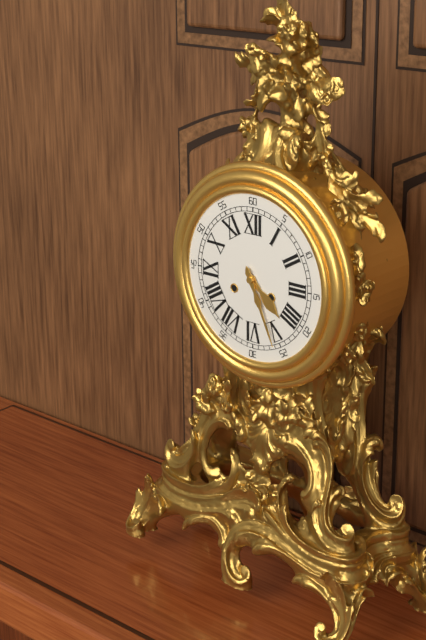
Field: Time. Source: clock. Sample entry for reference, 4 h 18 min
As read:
4 h 26 min
